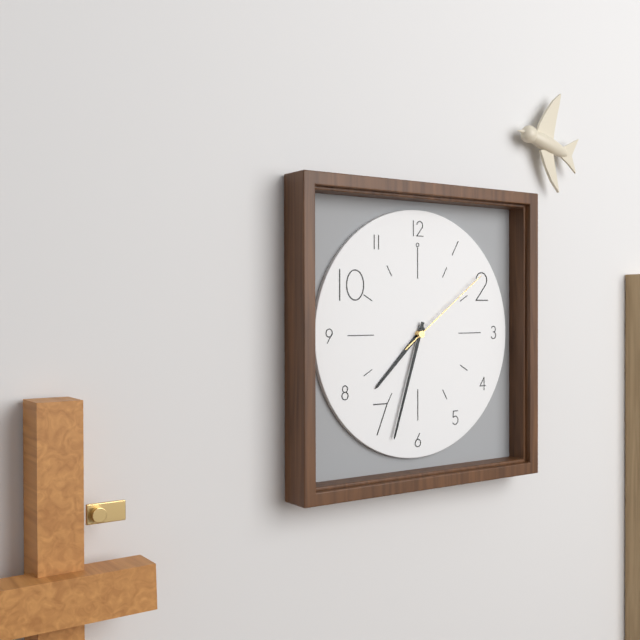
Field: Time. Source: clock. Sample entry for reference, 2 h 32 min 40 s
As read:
7 h 33 min 09 s
